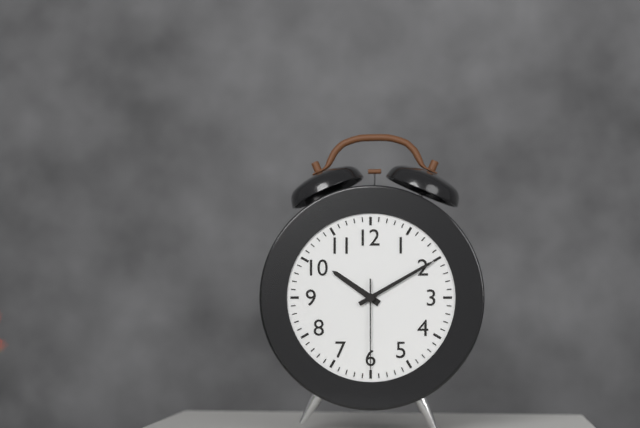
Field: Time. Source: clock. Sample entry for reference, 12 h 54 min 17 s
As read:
10 h 10 min 30 s
